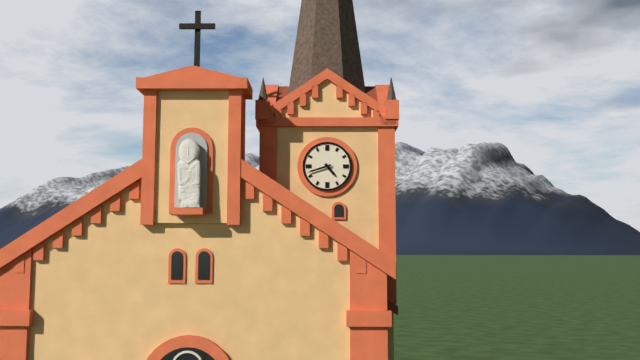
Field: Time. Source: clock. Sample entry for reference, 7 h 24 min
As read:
4 h 42 min
